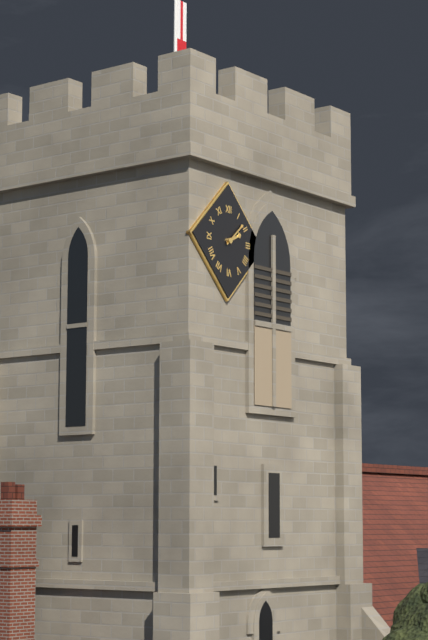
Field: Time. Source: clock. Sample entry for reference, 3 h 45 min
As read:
2 h 08 min
